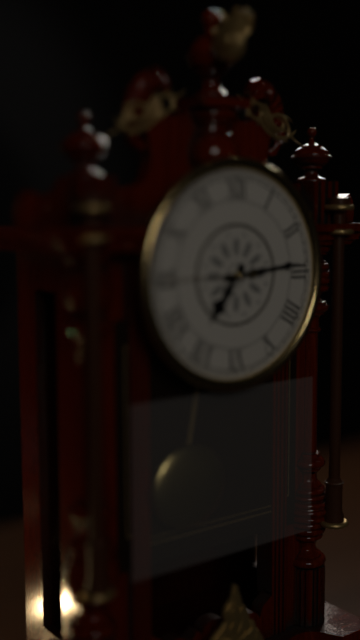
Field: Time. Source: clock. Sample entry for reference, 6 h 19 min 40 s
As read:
7 h 14 min 45 s
